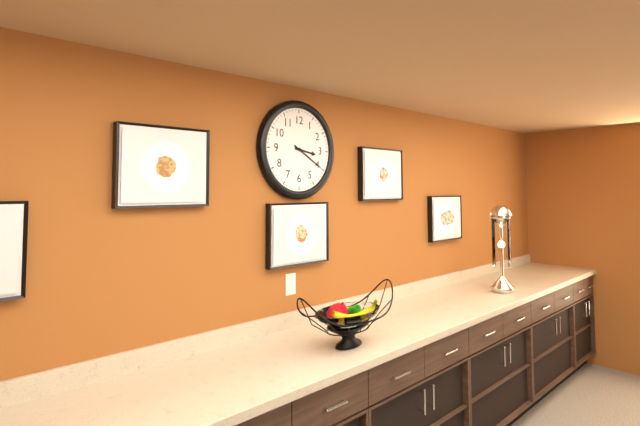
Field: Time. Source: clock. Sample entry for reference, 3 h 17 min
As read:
3 h 20 min
